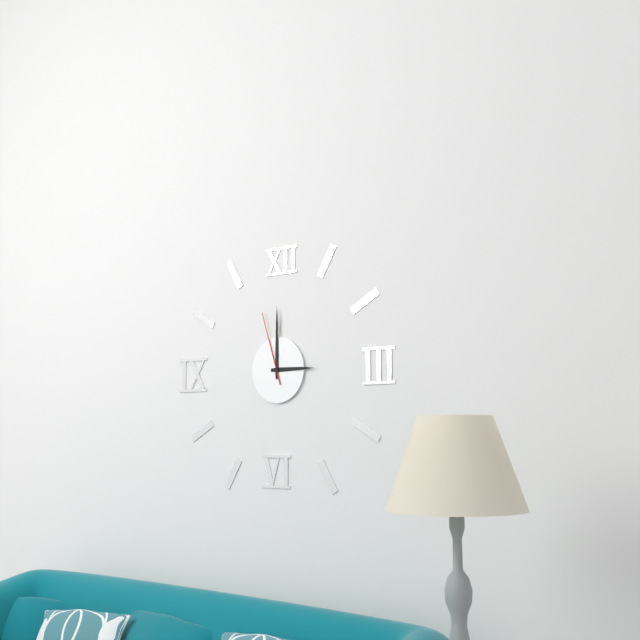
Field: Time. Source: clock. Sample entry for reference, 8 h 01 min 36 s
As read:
3 h 00 min 57 s
